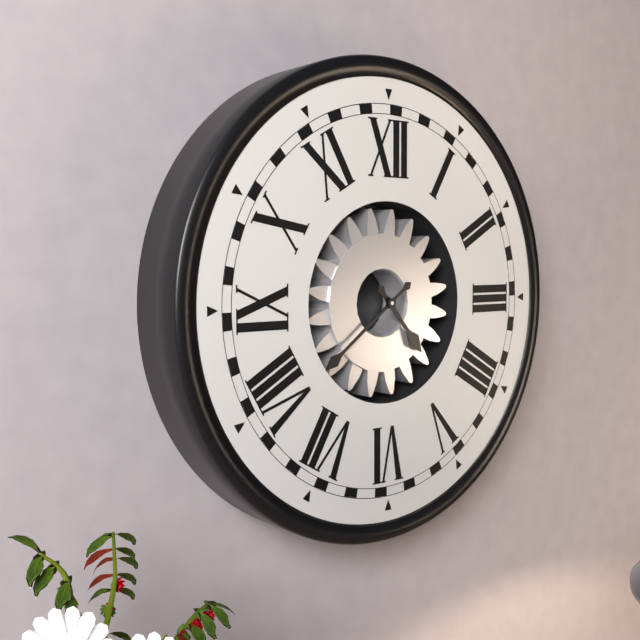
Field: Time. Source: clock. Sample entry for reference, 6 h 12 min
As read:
4 h 39 min
